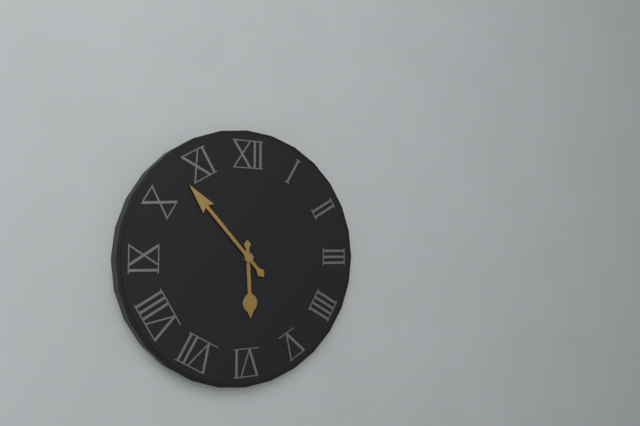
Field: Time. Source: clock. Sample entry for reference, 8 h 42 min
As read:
5 h 53 min
